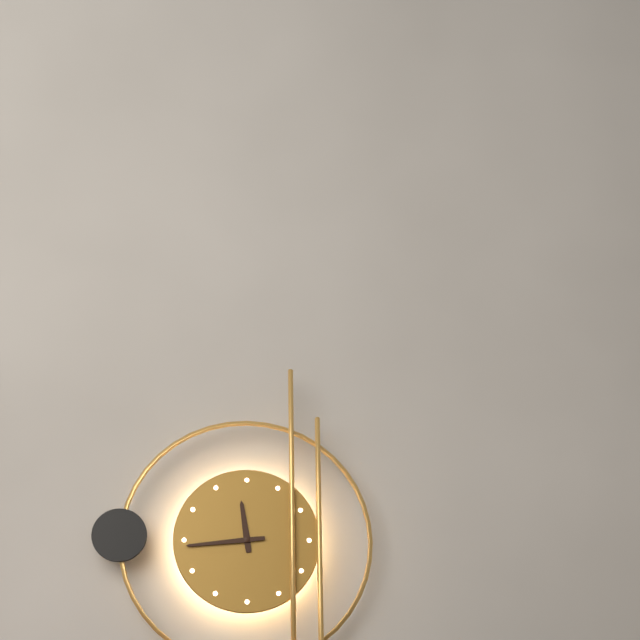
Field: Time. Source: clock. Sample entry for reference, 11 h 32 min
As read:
11 h 44 min
